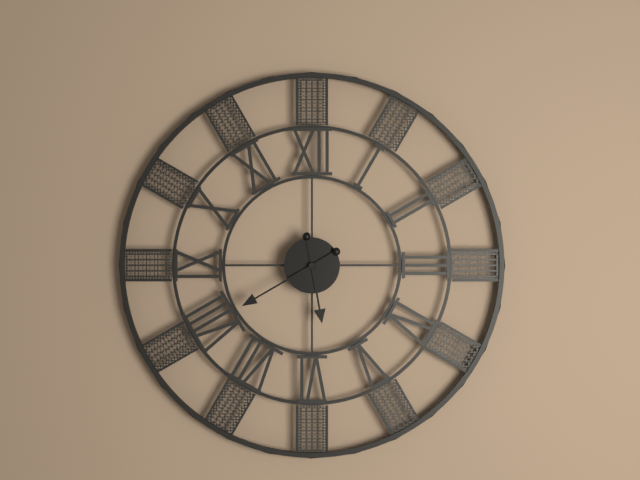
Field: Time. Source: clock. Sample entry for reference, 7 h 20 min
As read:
5 h 40 min
